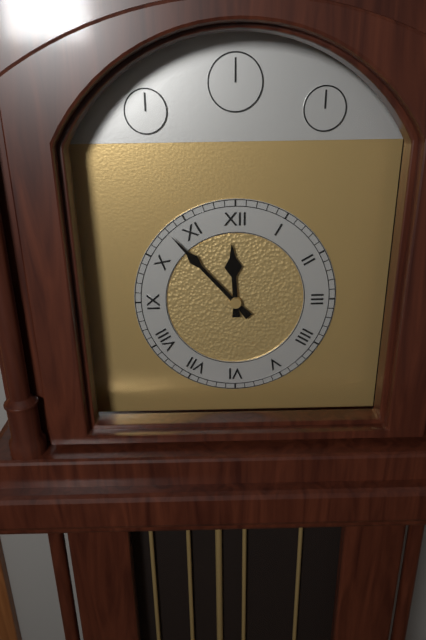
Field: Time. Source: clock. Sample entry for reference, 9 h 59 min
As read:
11 h 53 min
